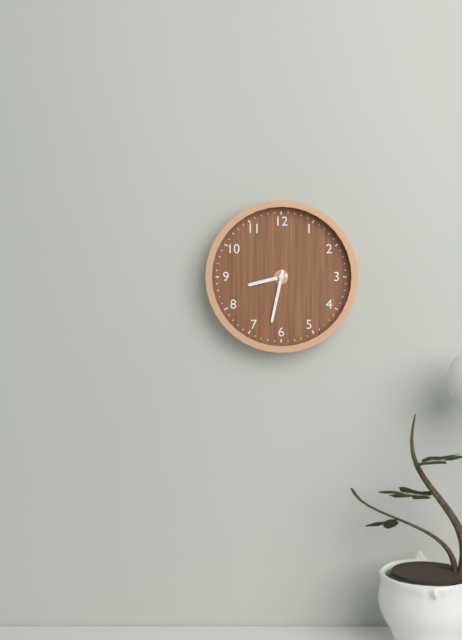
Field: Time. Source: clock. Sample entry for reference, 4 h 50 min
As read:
8 h 32 min
